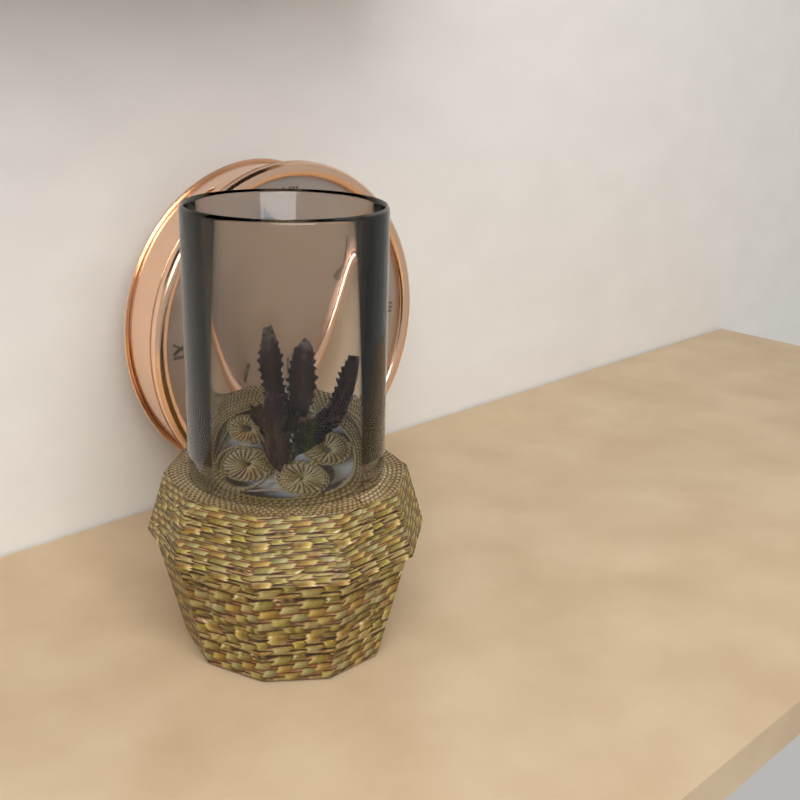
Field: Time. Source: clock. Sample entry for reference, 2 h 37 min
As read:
11 h 19 min
